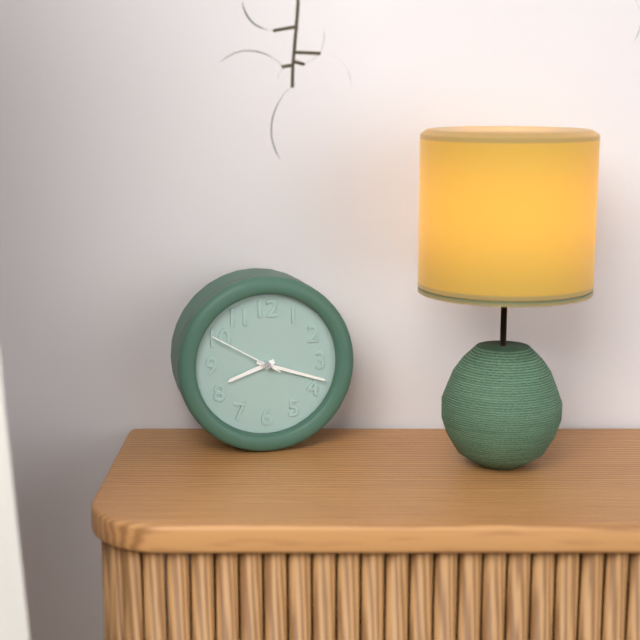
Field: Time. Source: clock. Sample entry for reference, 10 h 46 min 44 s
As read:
8 h 18 min 50 s
